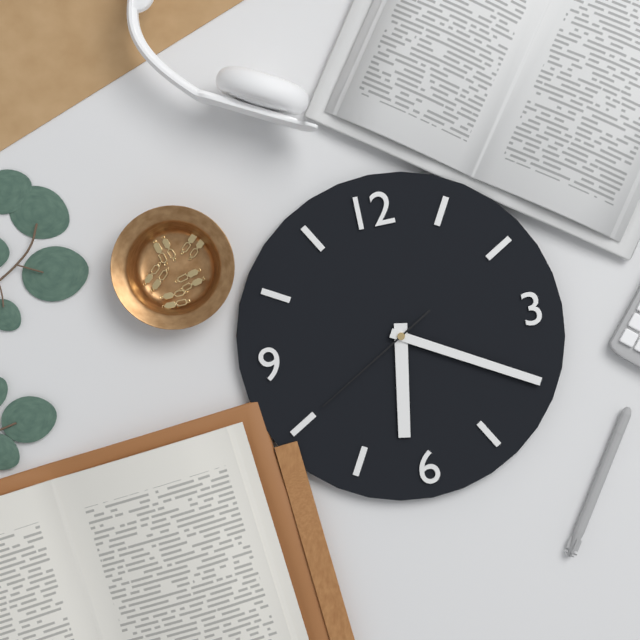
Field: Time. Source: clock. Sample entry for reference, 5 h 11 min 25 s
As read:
6 h 20 min 40 s
